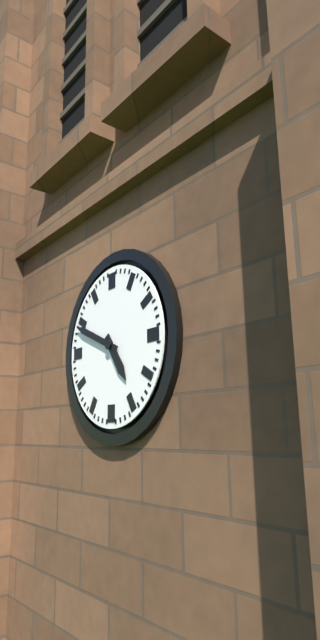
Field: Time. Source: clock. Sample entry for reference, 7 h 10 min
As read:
4 h 49 min
